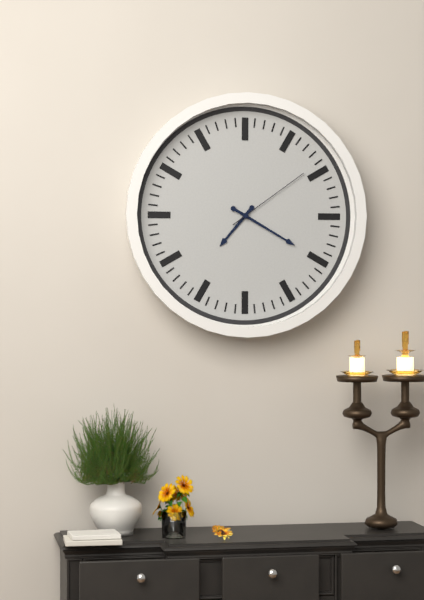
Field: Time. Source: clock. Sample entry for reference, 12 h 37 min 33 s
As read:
7 h 20 min 09 s
